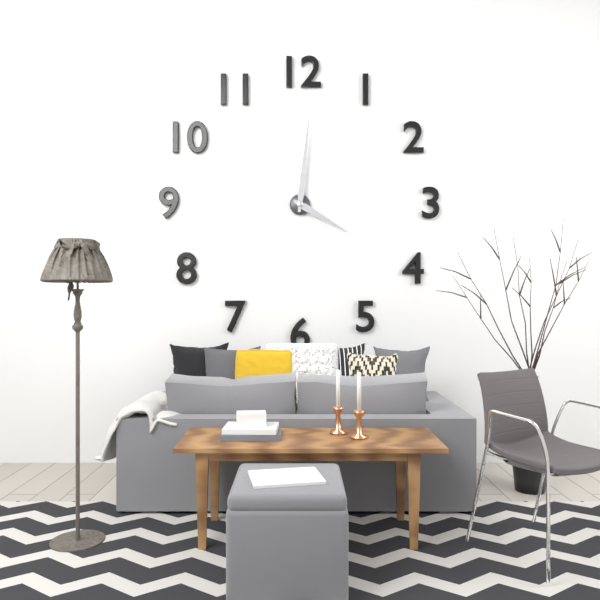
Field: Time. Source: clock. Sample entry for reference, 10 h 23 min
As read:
4 h 01 min
